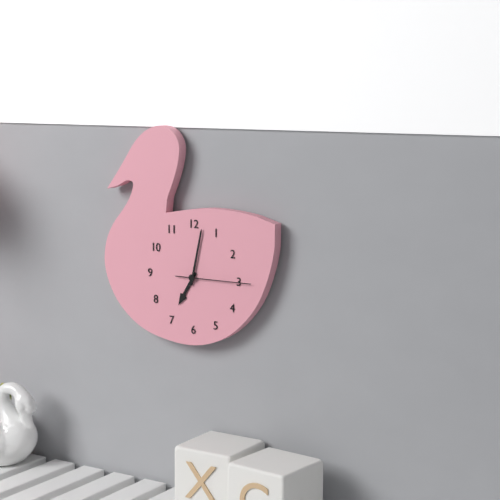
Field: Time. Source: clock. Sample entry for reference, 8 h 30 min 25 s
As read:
7 h 02 min 15 s
